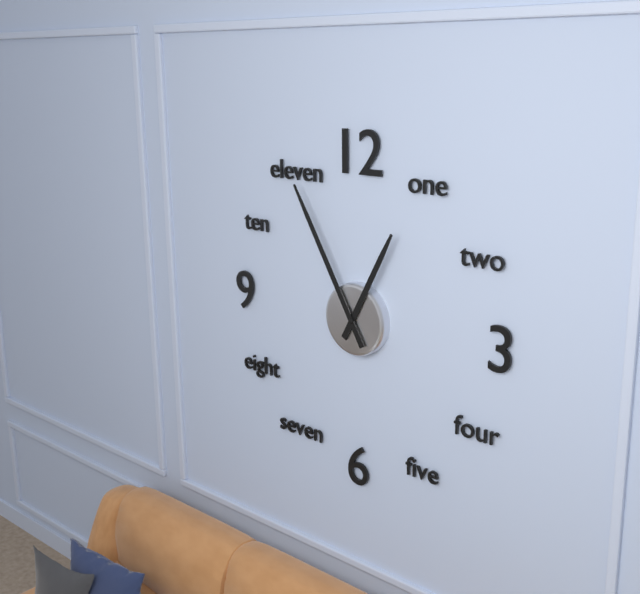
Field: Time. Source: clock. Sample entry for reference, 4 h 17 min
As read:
12 h 55 min
